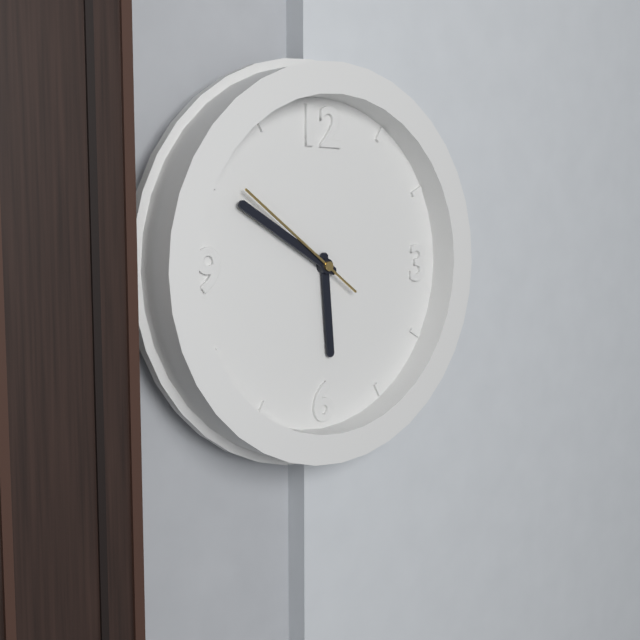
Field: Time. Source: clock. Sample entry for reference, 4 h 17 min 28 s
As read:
5 h 50 min 51 s
